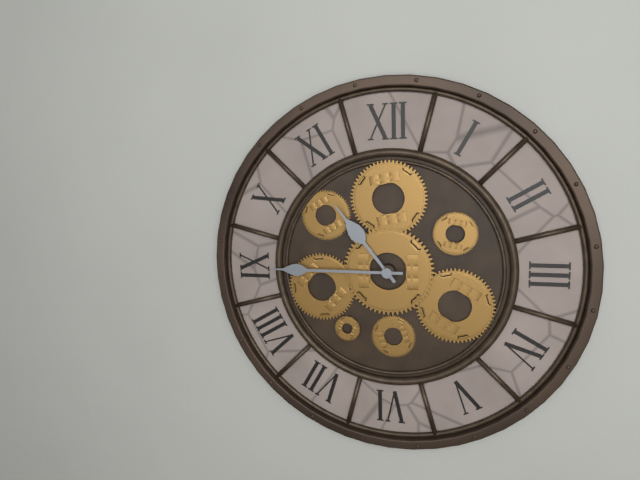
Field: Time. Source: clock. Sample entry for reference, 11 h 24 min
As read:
10 h 45 min
